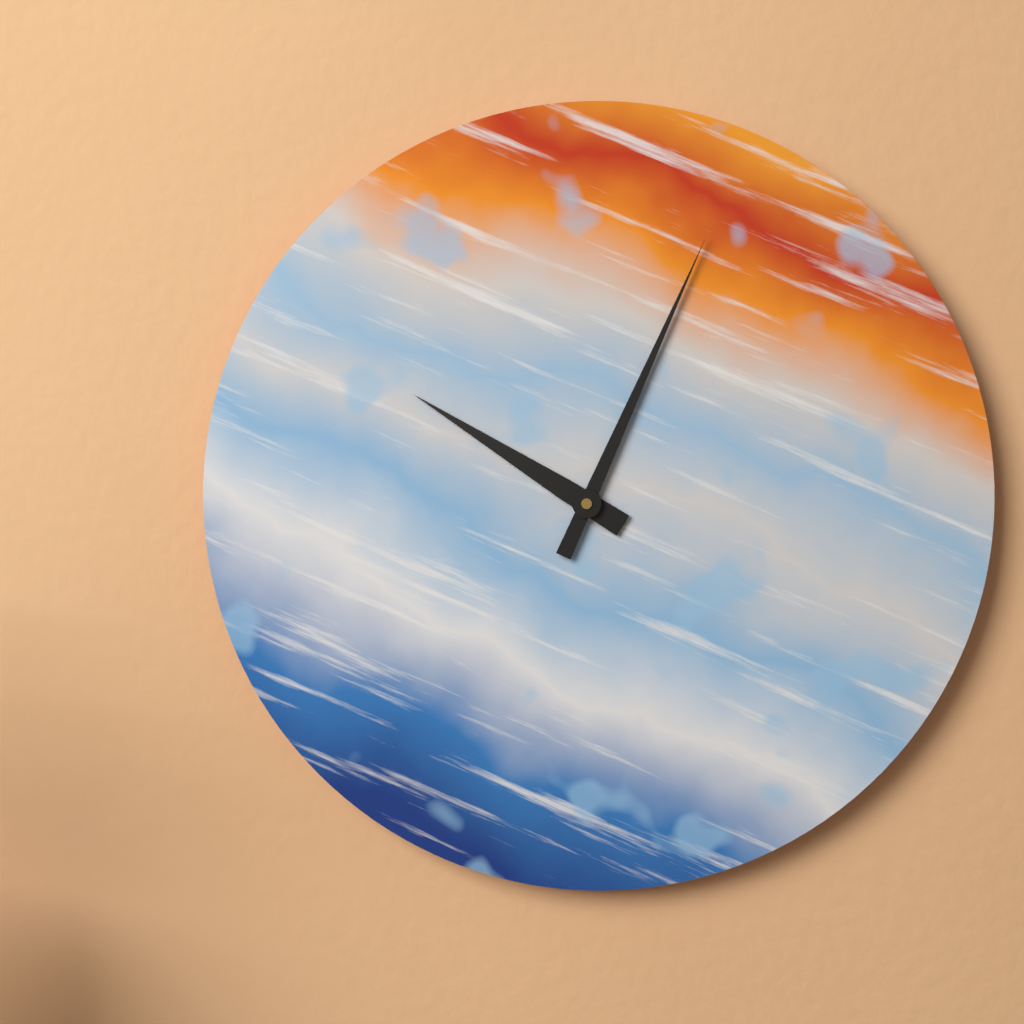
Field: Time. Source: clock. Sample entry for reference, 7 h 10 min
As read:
10 h 04 min
